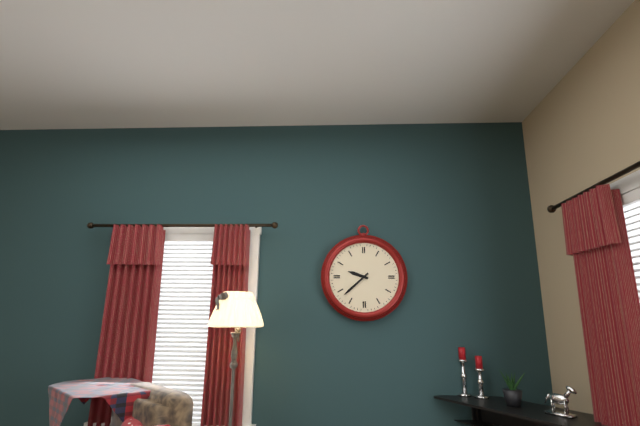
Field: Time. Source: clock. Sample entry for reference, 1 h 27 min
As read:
9 h 38 min
